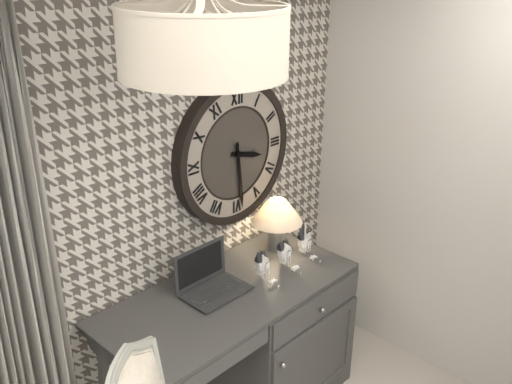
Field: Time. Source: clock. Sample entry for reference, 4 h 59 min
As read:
3 h 29 min
